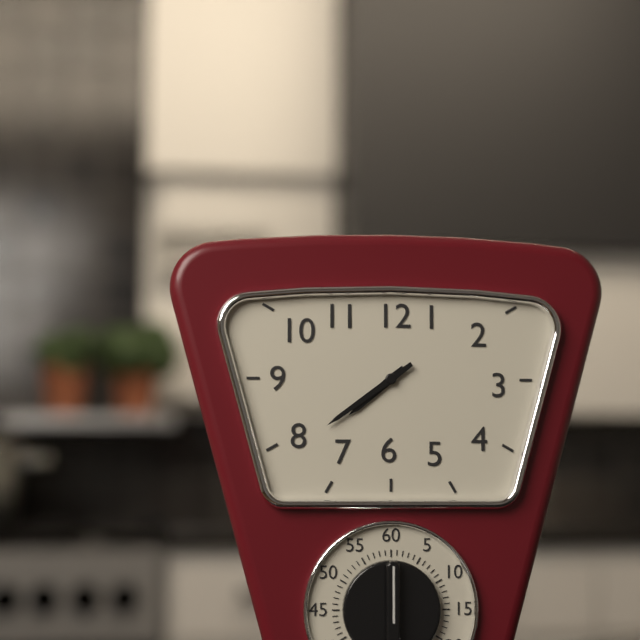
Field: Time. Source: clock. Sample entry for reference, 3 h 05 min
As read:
7 h 39 min
